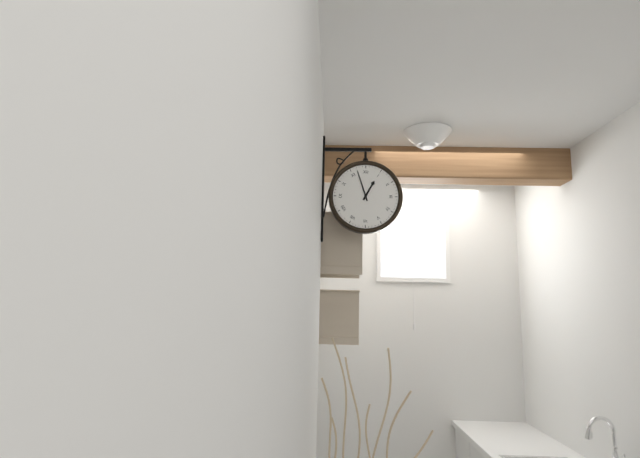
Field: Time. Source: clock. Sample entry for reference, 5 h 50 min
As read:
12 h 57 min
